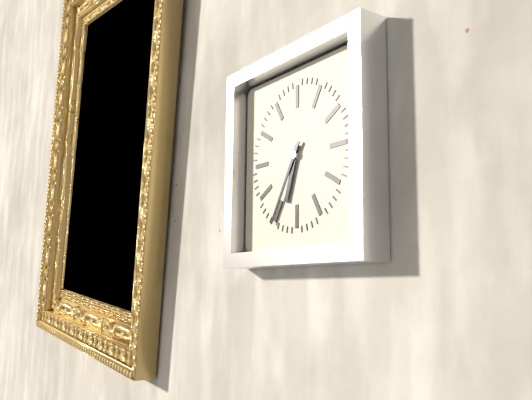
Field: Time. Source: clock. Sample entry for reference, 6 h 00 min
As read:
6 h 35 min
